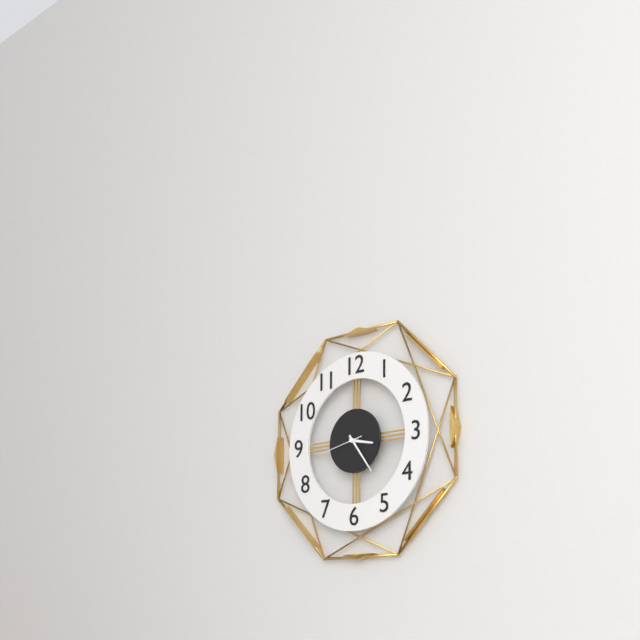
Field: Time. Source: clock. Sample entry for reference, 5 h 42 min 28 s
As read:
3 h 24 min 43 s
